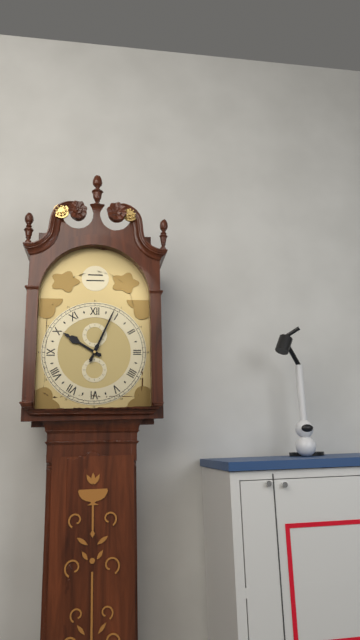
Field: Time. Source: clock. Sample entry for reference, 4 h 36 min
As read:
10 h 04 min
